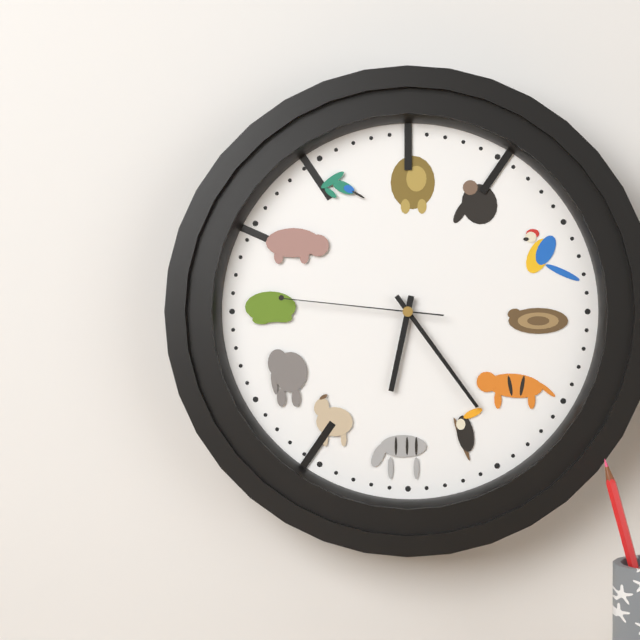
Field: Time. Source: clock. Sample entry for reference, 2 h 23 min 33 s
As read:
6 h 24 min 46 s
